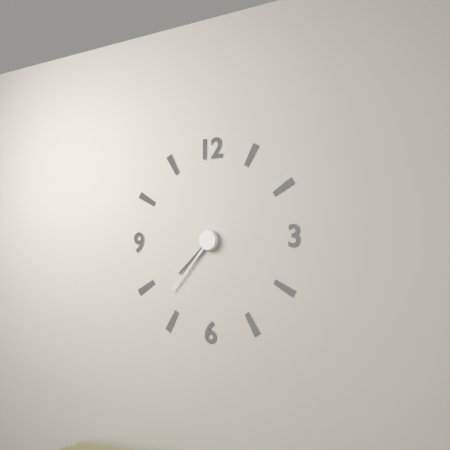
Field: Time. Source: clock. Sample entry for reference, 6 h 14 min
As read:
7 h 37 min
